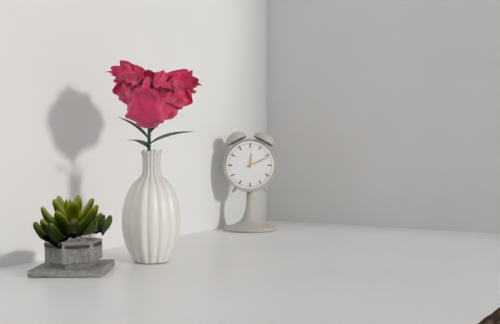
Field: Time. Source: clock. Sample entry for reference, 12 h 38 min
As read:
12 h 11 min
